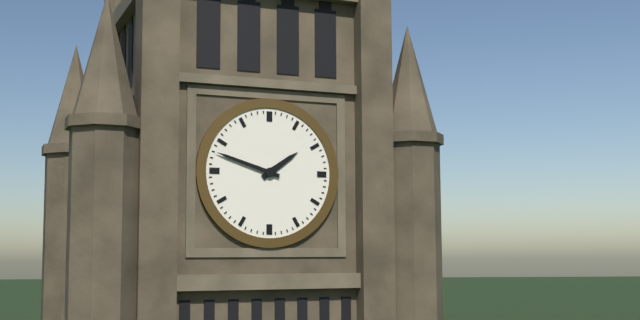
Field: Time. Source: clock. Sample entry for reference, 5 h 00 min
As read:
1 h 48 min
